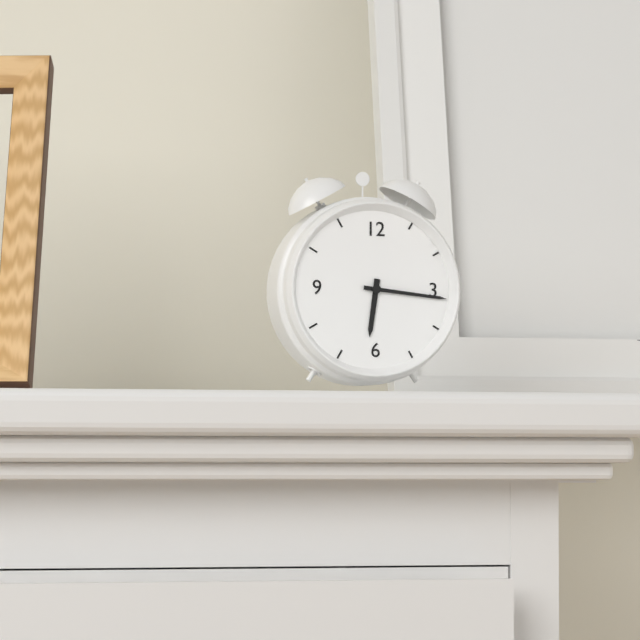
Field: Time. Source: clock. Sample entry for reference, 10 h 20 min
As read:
6 h 16 min
